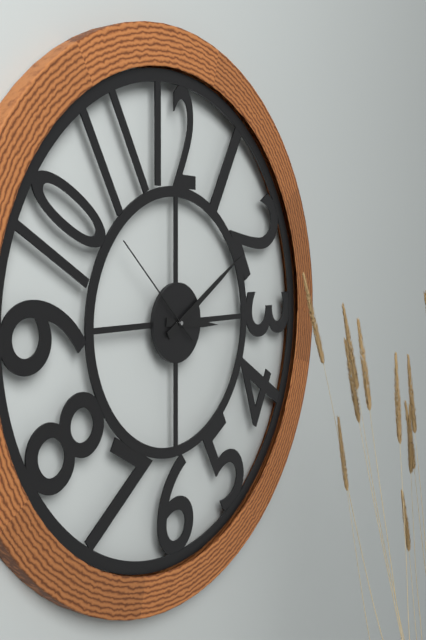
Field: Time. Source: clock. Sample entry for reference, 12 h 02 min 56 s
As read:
3 h 10 min 52 s
